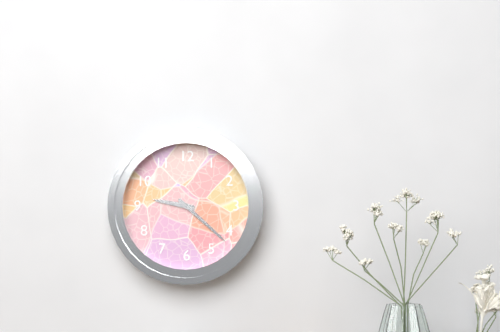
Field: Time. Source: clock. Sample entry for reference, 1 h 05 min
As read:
9 h 22 min
